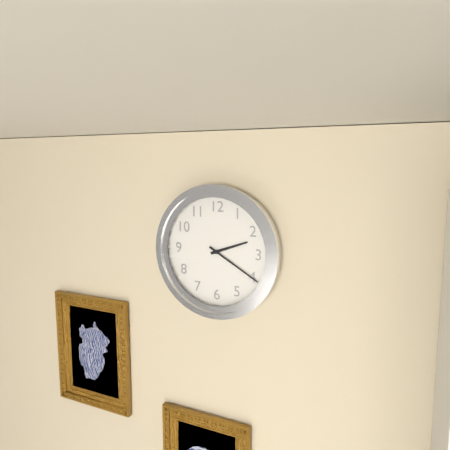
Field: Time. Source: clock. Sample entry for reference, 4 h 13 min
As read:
2 h 20 min
